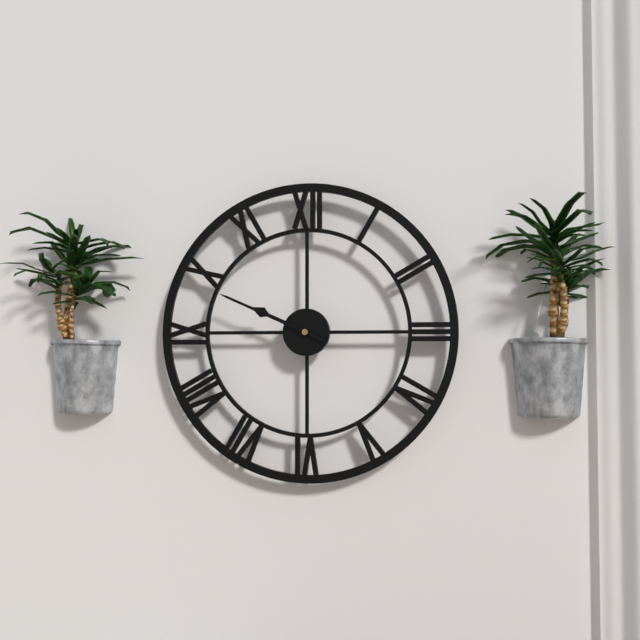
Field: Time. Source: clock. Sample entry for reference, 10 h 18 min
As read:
9 h 49 min
